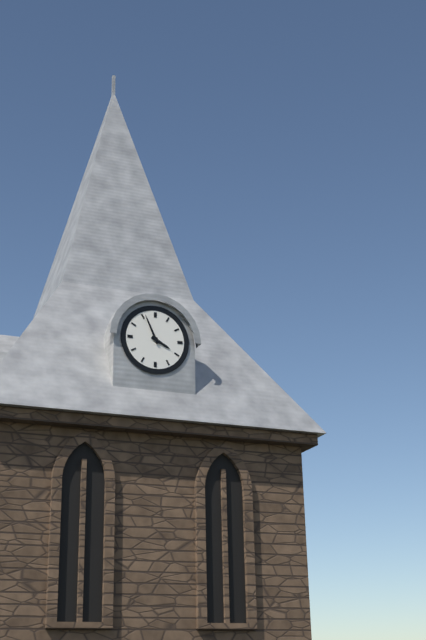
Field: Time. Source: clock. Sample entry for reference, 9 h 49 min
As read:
3 h 56 min
